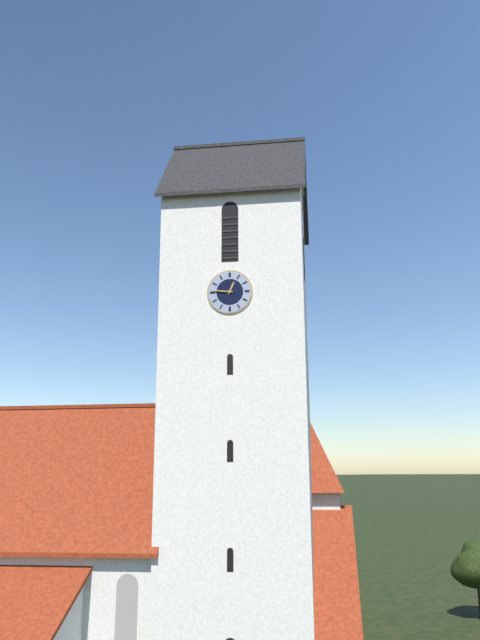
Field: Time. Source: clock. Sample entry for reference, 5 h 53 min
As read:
12 h 46 min
